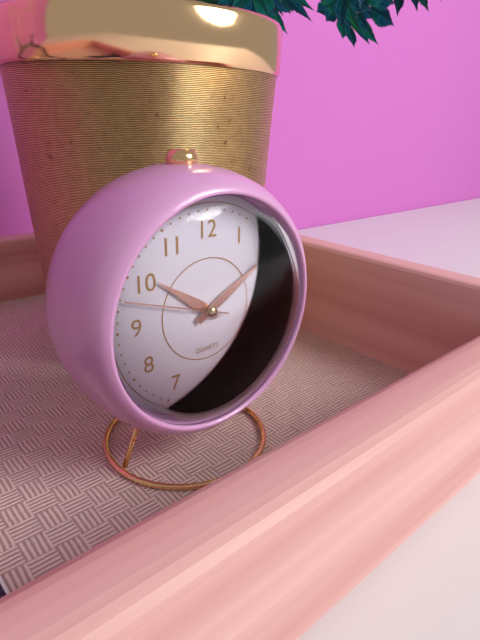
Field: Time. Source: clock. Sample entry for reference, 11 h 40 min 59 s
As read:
10 h 10 min 48 s
